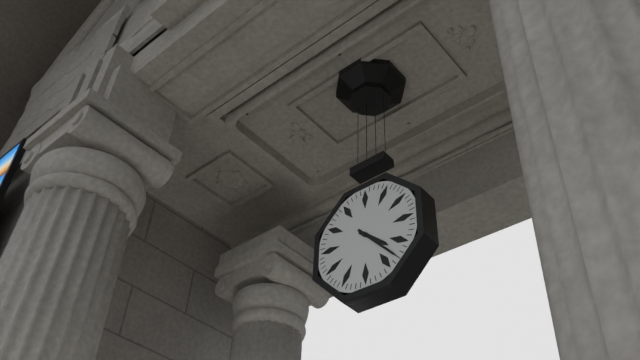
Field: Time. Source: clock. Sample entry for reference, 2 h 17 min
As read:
4 h 23 min
